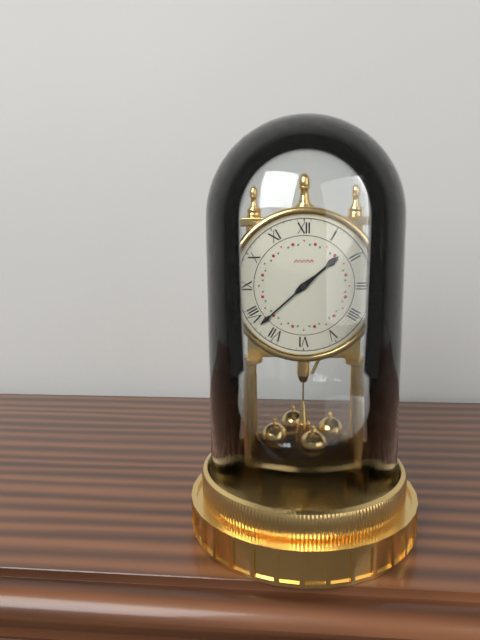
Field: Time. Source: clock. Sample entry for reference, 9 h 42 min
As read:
1 h 38 min
